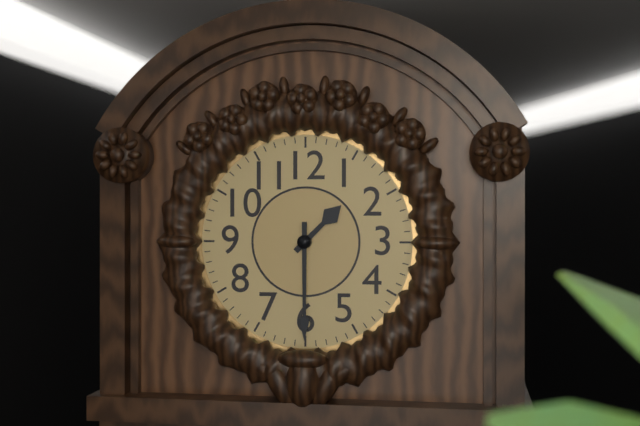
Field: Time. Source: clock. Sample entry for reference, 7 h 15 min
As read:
1 h 30 min
